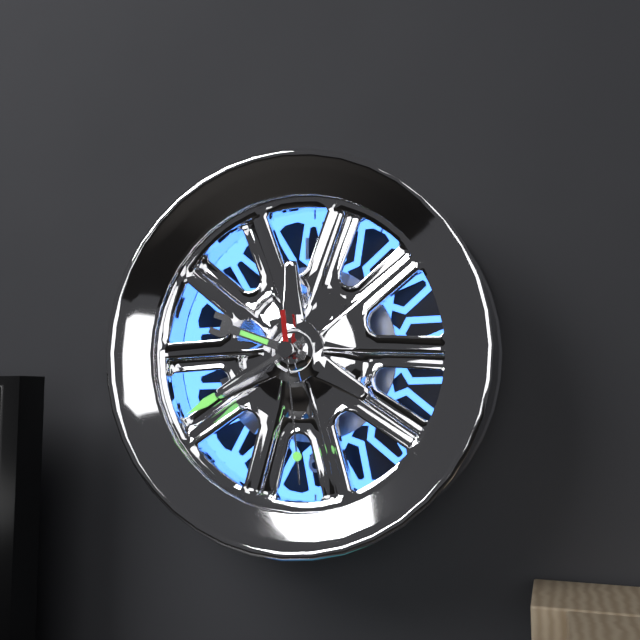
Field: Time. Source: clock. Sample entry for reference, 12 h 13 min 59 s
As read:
9 h 40 min 29 s
